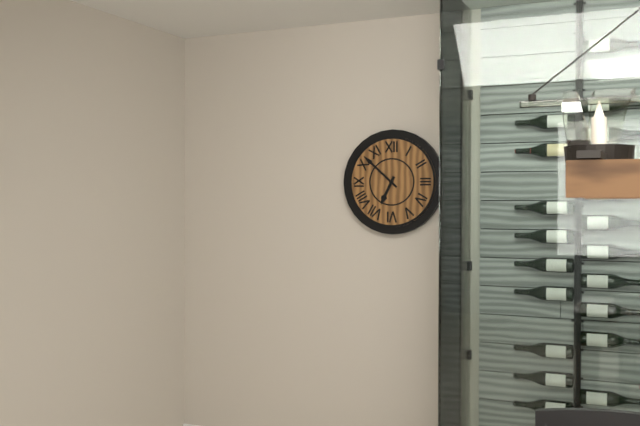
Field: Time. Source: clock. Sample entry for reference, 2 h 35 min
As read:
6 h 52 min
